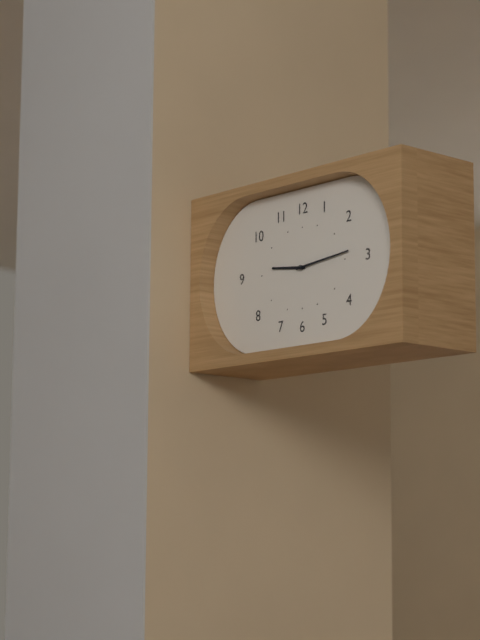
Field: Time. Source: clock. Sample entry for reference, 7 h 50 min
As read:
9 h 14 min
